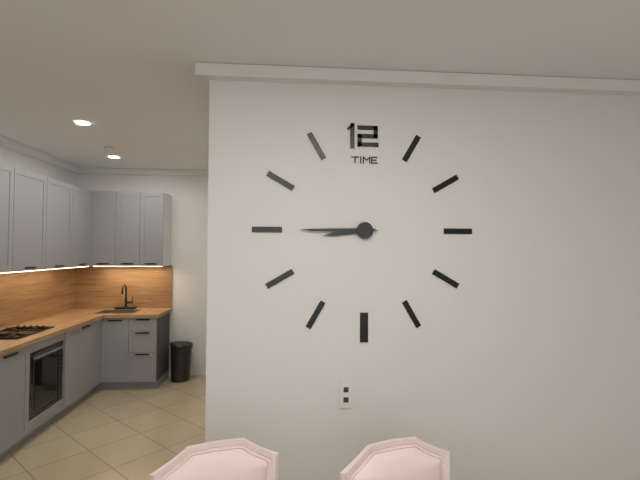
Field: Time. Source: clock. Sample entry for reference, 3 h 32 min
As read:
8 h 45 min
